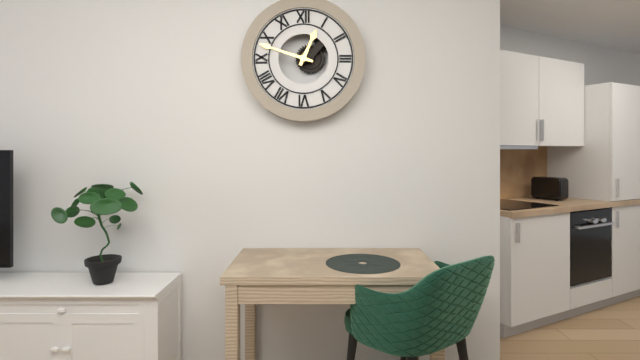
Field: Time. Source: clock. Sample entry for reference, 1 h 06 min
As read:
12 h 48 min
